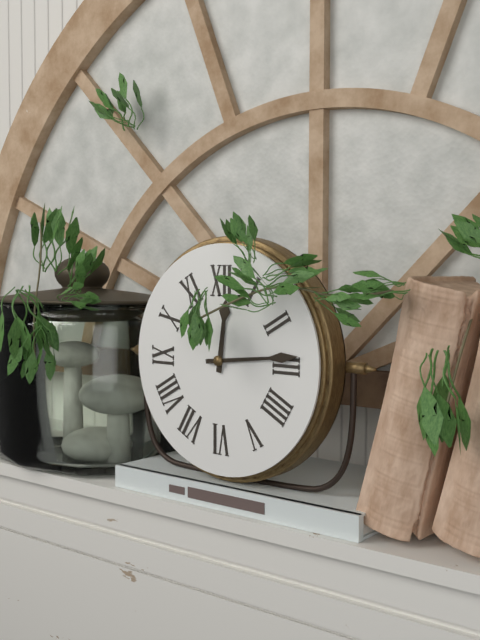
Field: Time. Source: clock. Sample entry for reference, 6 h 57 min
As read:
12 h 14 min
